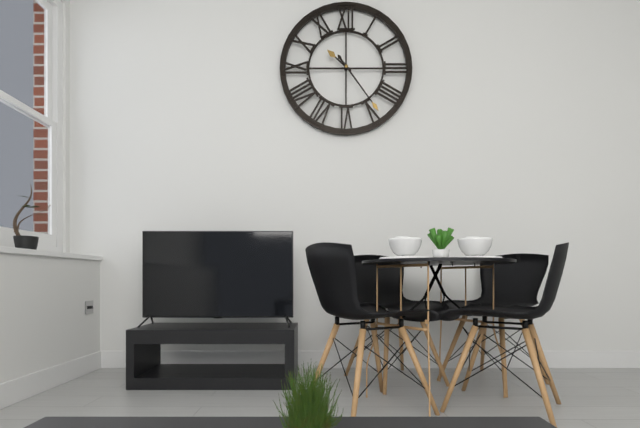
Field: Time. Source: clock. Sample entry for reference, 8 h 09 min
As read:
10 h 24 min
